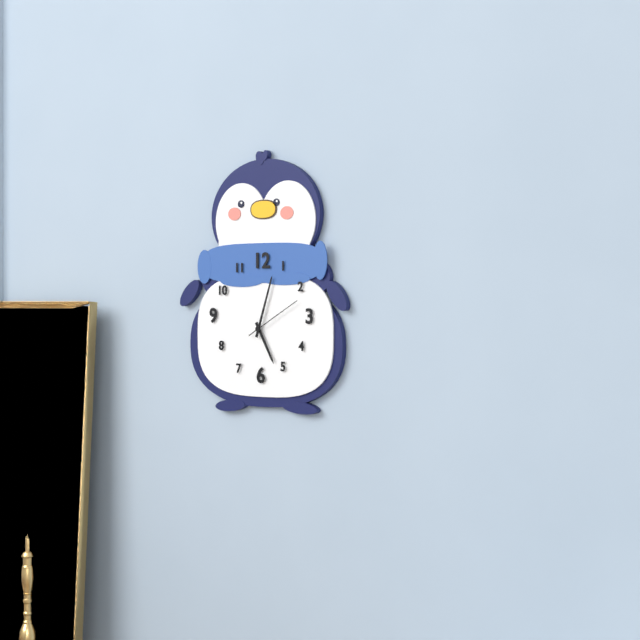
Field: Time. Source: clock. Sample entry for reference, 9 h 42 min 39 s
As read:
5 h 03 min 10 s
